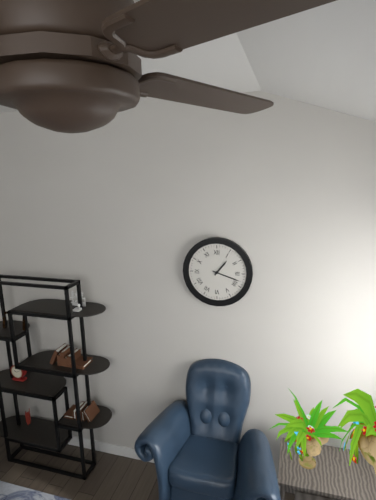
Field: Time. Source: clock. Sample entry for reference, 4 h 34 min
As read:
1 h 18 min
